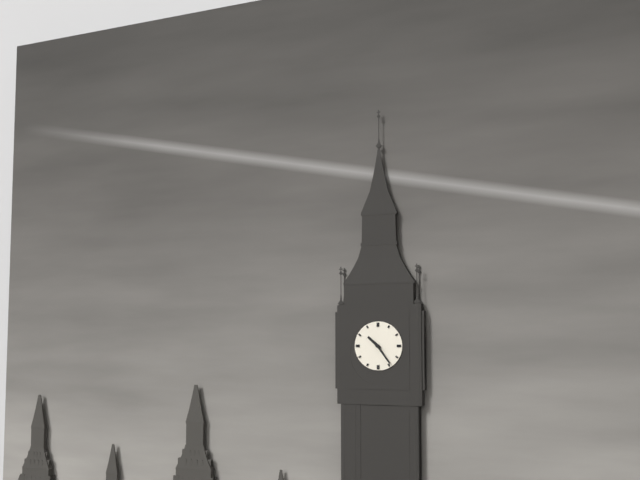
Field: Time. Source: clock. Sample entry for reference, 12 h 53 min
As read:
10 h 24 min
